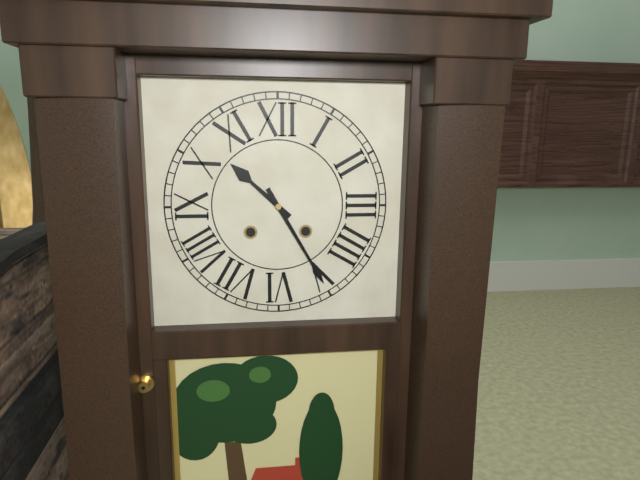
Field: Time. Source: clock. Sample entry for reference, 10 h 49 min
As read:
10 h 25 min
